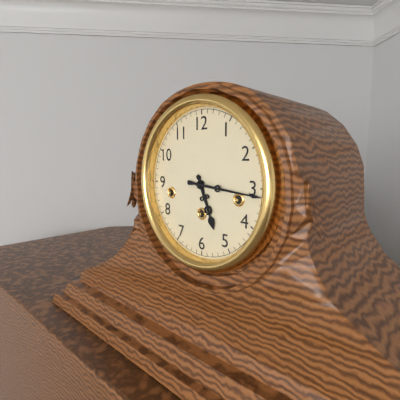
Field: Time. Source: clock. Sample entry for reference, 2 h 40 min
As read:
5 h 16 min
